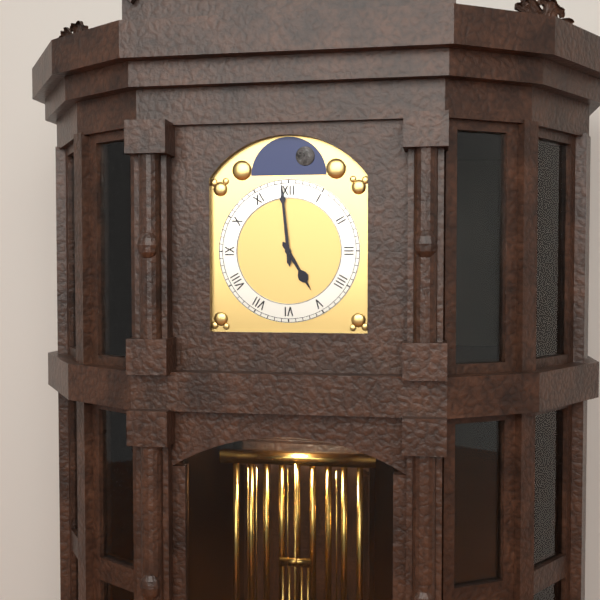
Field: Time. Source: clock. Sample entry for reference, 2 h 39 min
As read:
4 h 59 min
